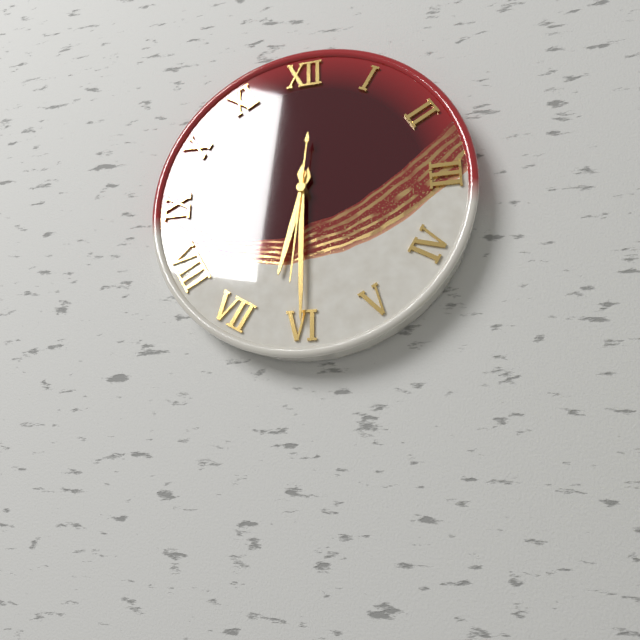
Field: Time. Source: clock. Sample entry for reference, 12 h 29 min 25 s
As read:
6 h 30 min 31 s
